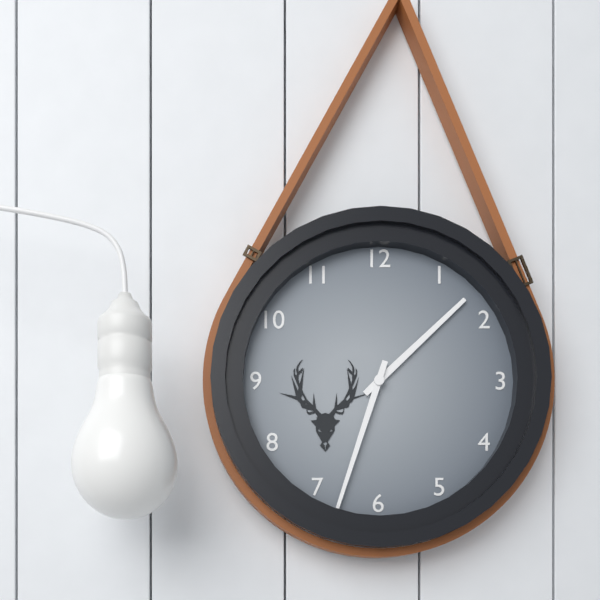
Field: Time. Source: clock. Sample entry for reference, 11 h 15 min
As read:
1 h 33 min
